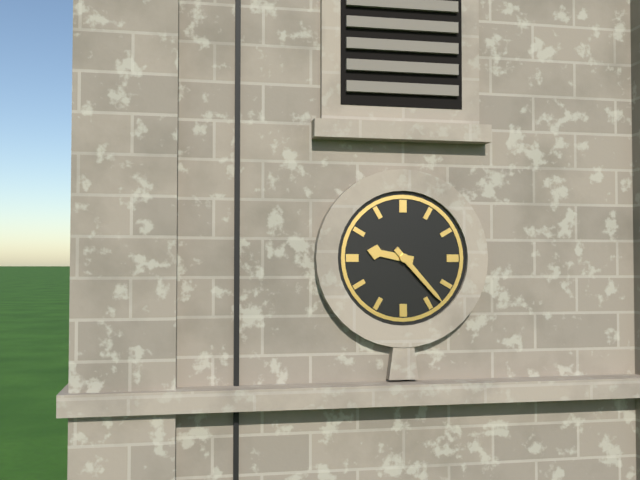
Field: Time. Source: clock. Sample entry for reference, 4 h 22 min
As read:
9 h 23 min
